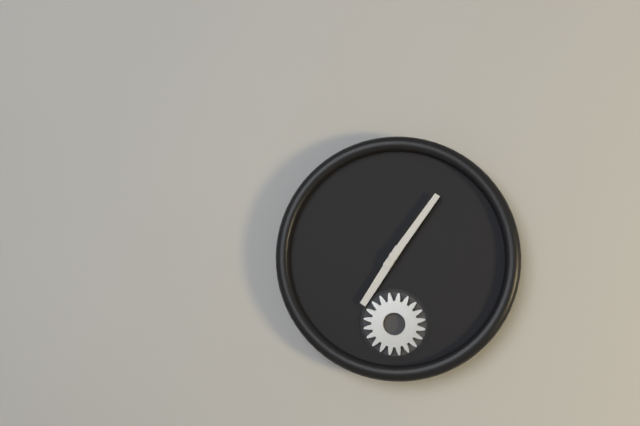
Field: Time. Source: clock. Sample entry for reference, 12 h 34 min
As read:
7 h 06 min
